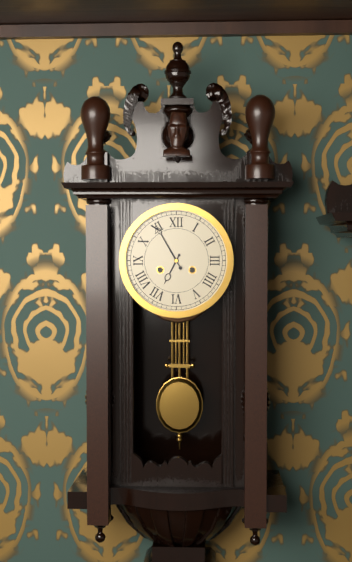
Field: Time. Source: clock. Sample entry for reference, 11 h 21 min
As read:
6 h 55 min
